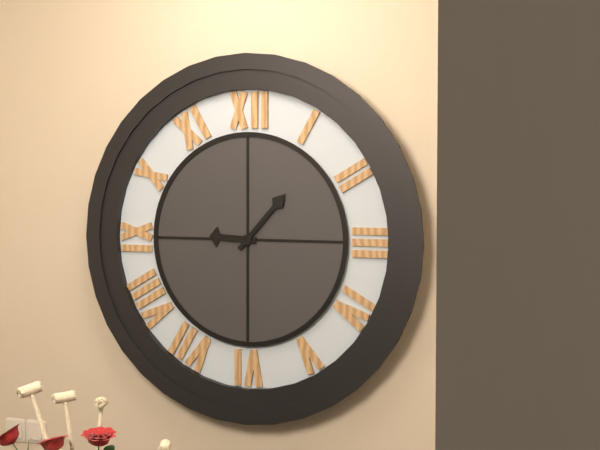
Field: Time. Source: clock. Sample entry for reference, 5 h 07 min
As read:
9 h 07 min
